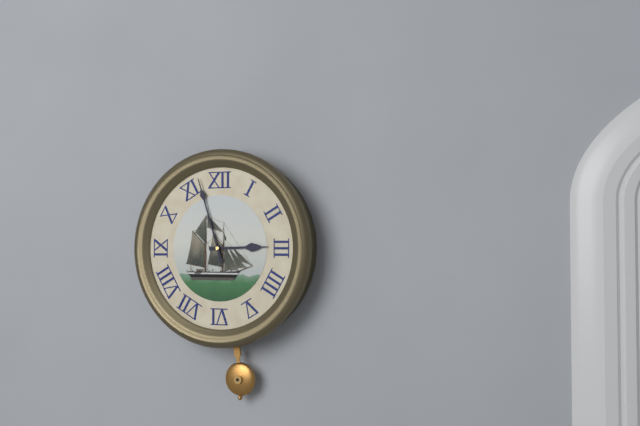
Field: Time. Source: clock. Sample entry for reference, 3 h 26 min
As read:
2 h 57 min
